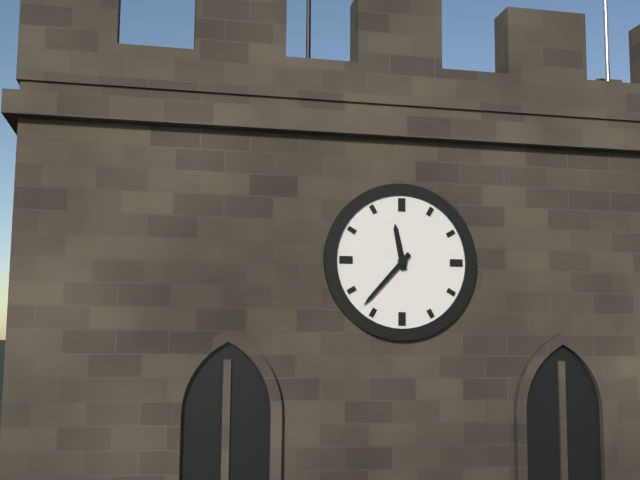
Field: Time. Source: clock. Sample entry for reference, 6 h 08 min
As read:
11 h 37 min
